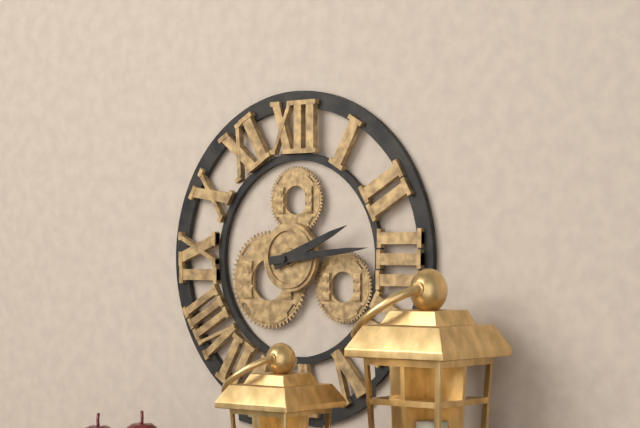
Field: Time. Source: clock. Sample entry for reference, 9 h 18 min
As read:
2 h 14 min
